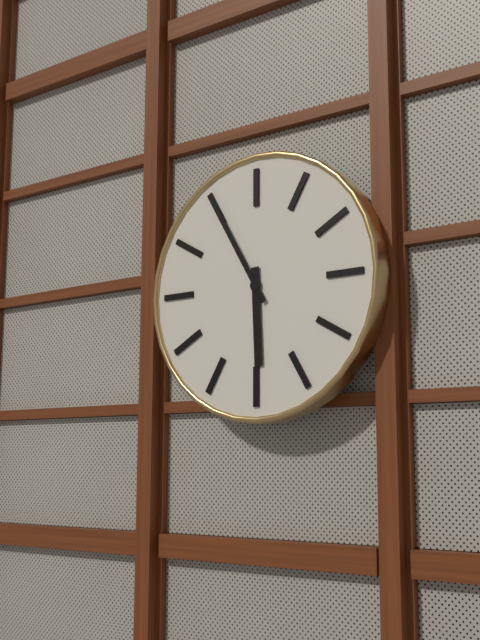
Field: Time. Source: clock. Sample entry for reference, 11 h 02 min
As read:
5 h 55 min
